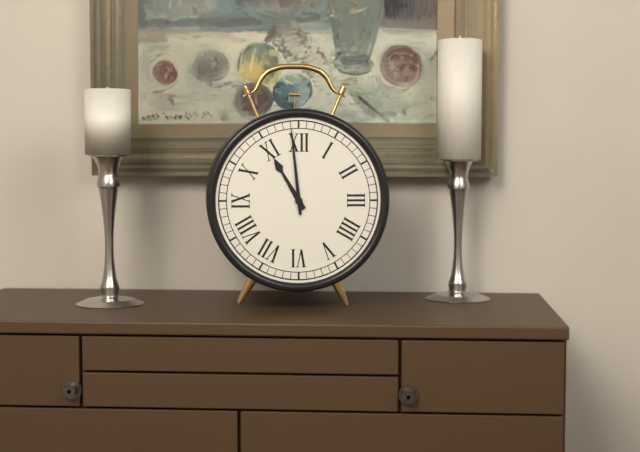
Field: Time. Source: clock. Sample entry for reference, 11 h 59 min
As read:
10 h 59 min
